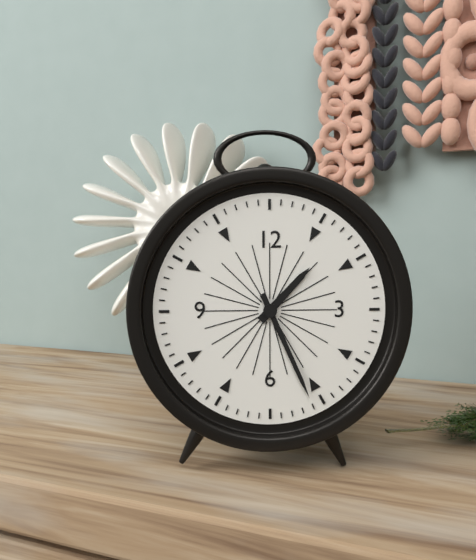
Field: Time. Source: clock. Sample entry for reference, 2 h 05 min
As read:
1 h 26 min
